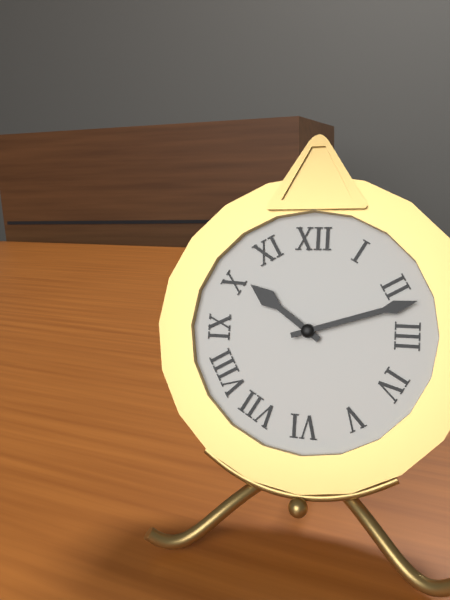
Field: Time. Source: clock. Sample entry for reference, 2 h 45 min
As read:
10 h 12 min
